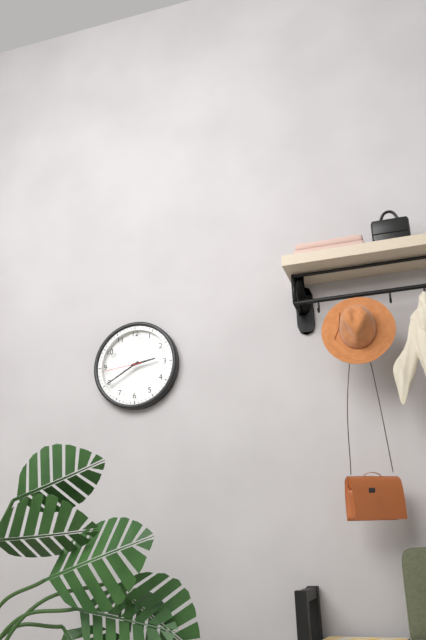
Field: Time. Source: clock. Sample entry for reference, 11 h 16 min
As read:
2 h 40 min
